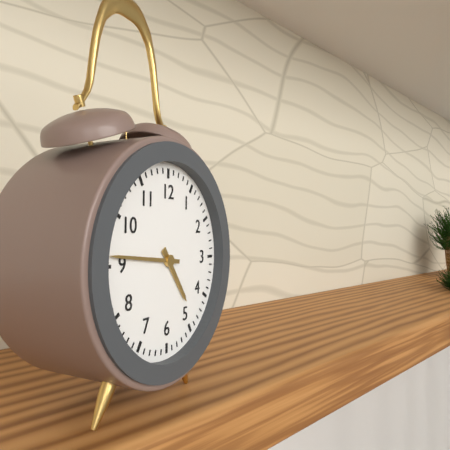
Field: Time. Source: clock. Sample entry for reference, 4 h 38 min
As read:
4 h 46 min
